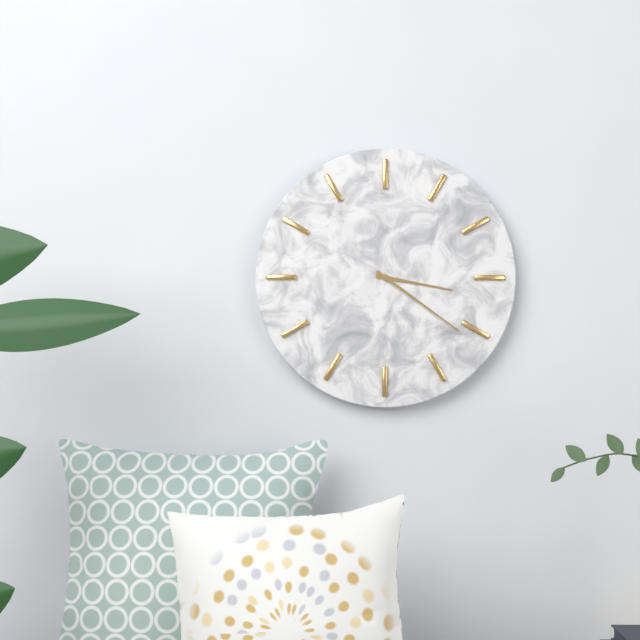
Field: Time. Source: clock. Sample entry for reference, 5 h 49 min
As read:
3 h 21 min
